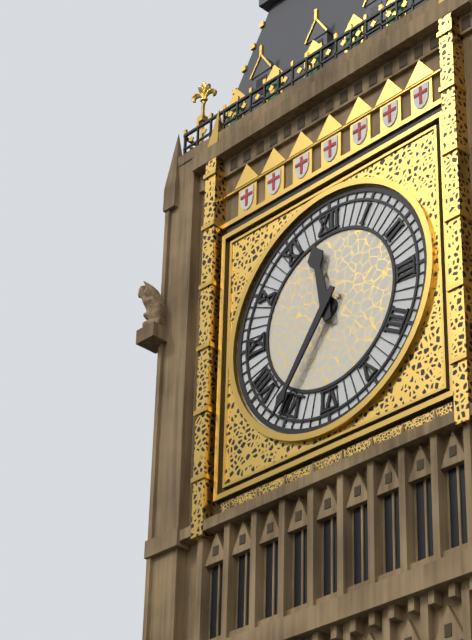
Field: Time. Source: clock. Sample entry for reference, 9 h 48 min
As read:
11 h 36 min
